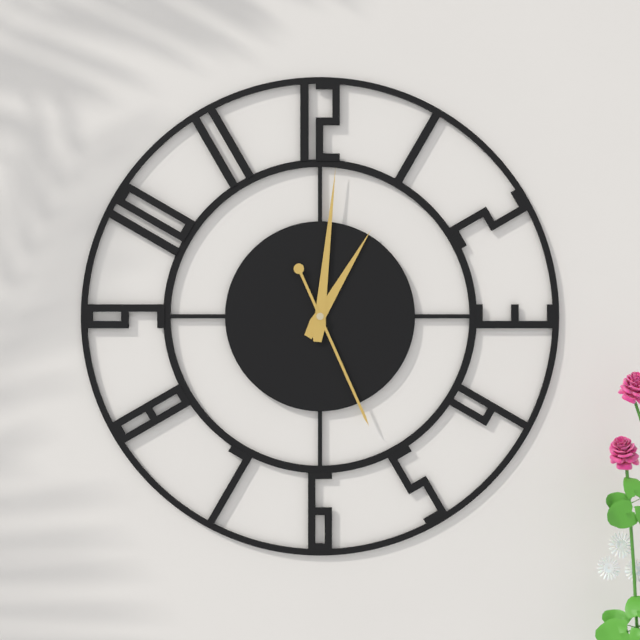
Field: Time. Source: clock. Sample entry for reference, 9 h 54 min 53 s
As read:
1 h 01 min 26 s
